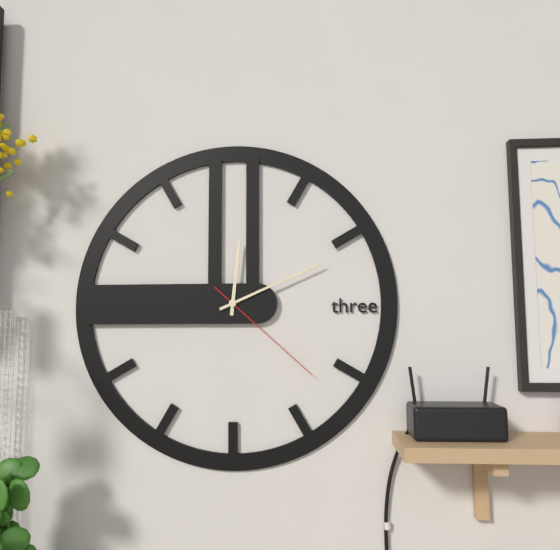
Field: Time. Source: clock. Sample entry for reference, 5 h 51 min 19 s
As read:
12 h 11 min 22 s
